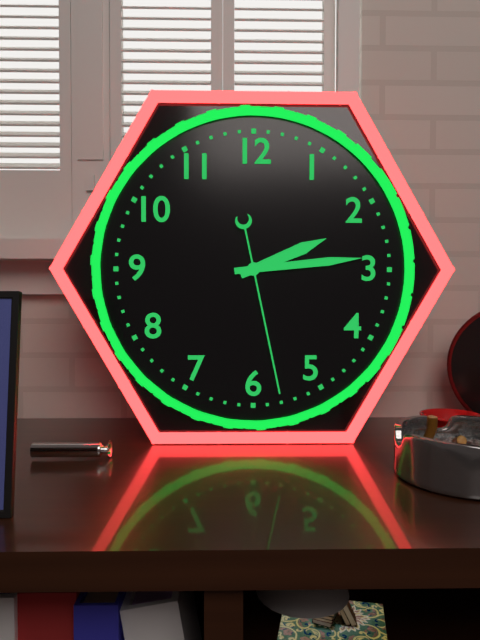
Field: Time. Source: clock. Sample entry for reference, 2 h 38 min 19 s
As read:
2 h 14 min 28 s
